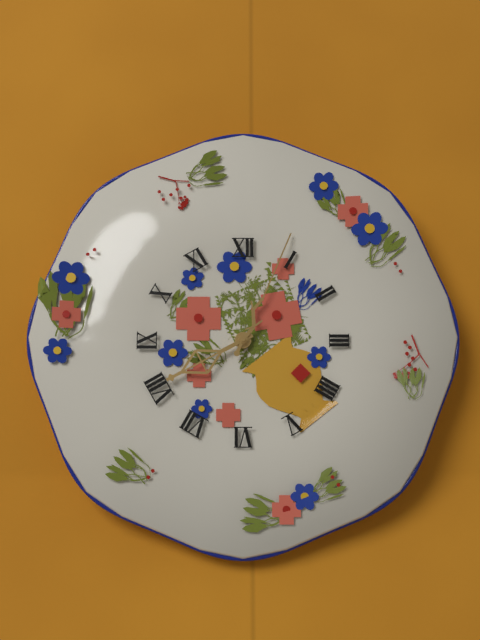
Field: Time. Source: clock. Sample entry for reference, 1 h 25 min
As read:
8 h 04 min
